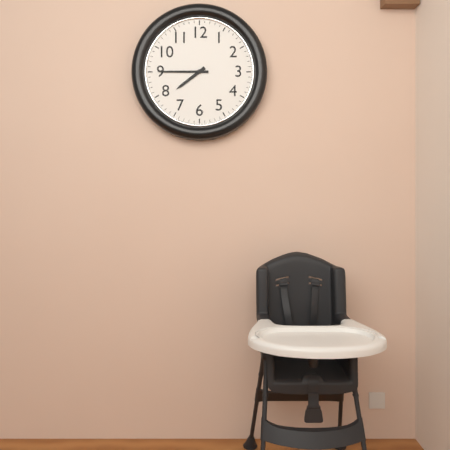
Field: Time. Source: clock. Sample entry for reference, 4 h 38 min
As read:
7 h 45 min
